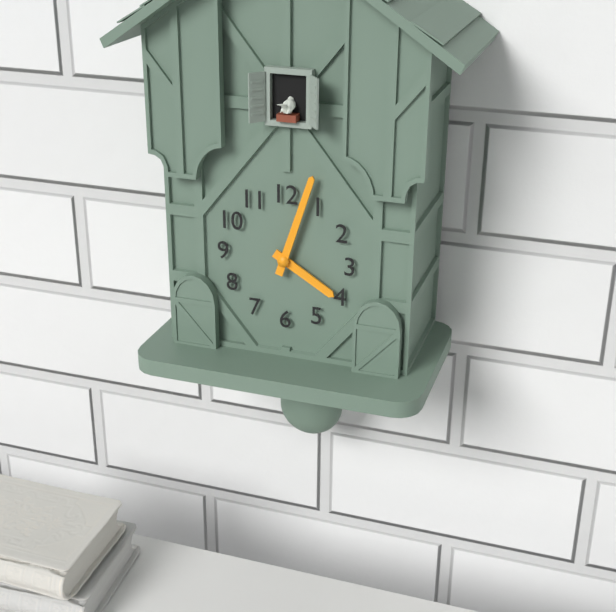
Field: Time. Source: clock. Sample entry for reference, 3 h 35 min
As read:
4 h 03 min
